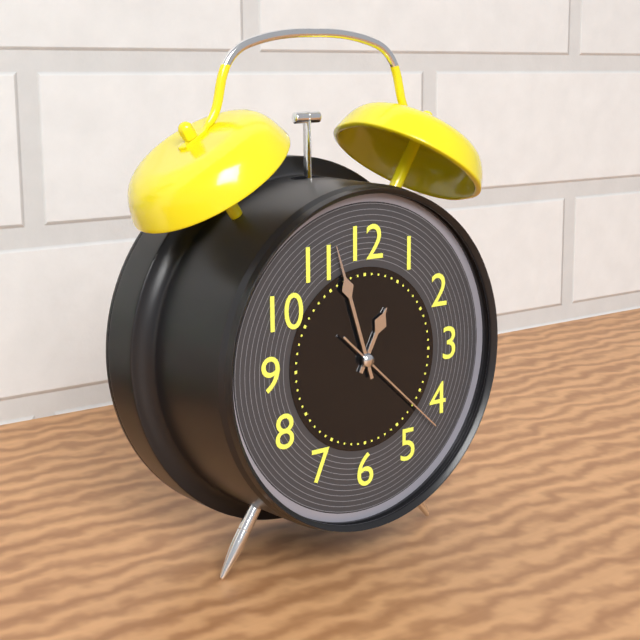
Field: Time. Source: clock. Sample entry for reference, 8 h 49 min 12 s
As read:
12 h 57 min 22 s
